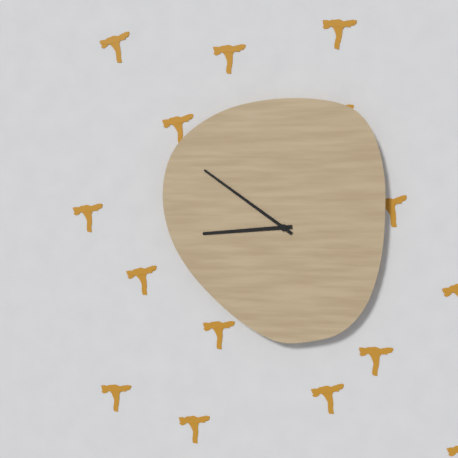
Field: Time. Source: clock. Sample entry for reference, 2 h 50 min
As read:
8 h 51 min
